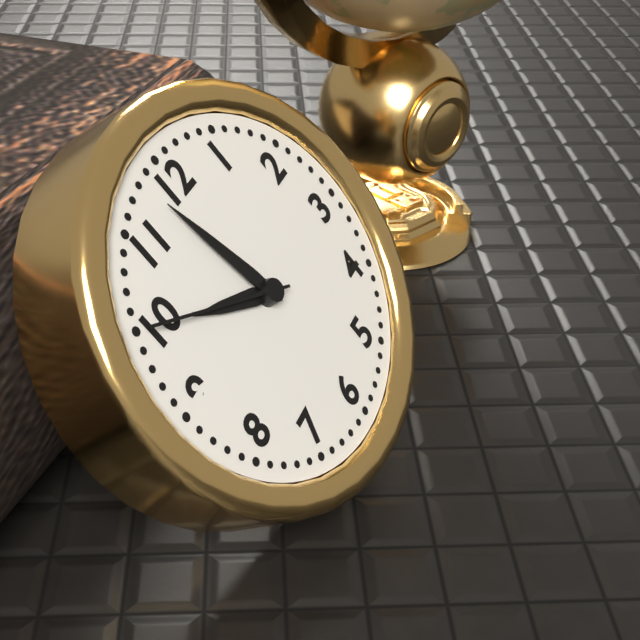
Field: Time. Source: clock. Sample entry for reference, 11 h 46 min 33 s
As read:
9 h 58 min 50 s
